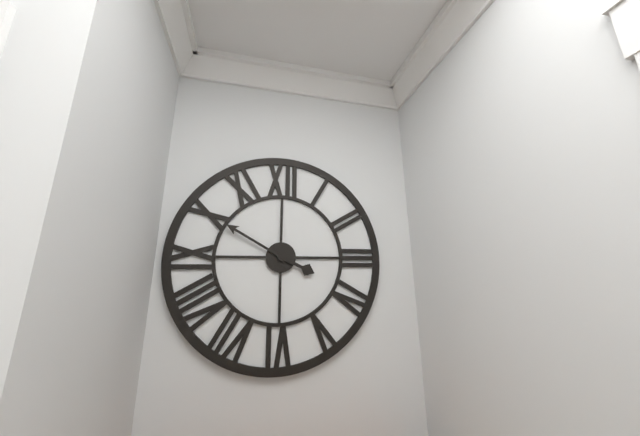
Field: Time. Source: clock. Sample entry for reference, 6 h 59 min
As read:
3 h 50 min
